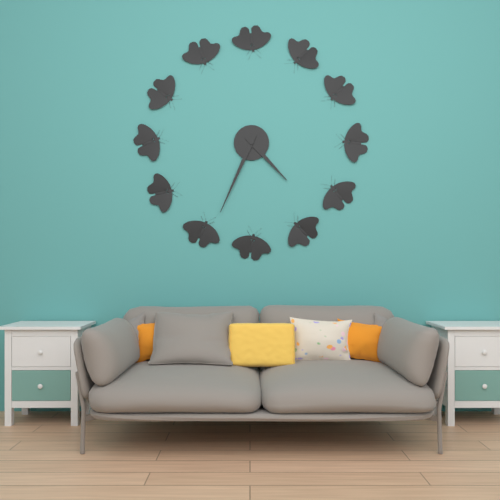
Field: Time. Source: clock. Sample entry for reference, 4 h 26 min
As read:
4 h 34 min
